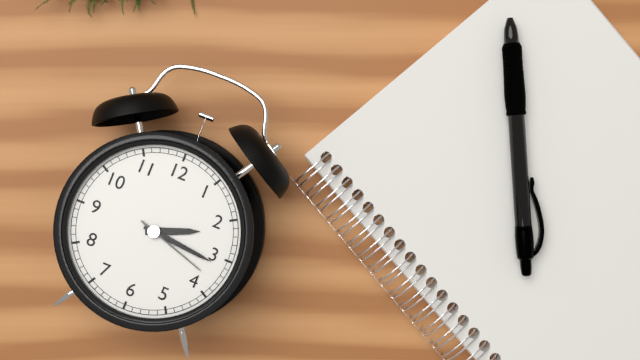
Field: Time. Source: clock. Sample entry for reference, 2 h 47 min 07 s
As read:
2 h 16 min 18 s
